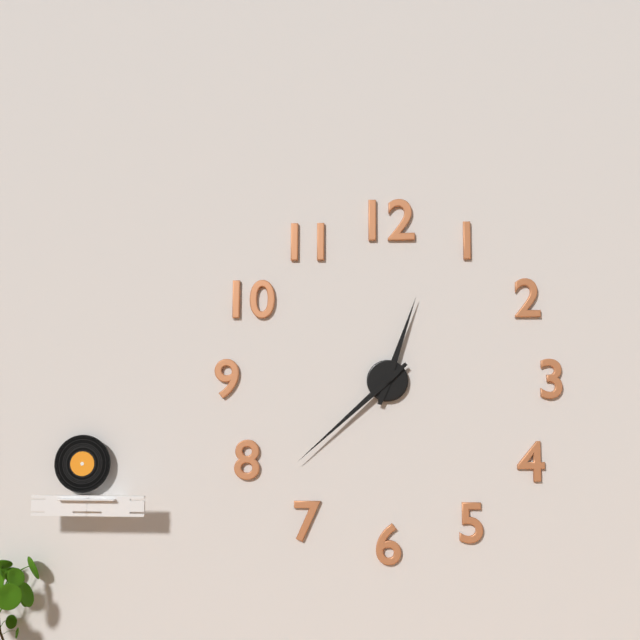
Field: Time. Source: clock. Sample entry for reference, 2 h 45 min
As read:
12 h 38 min
